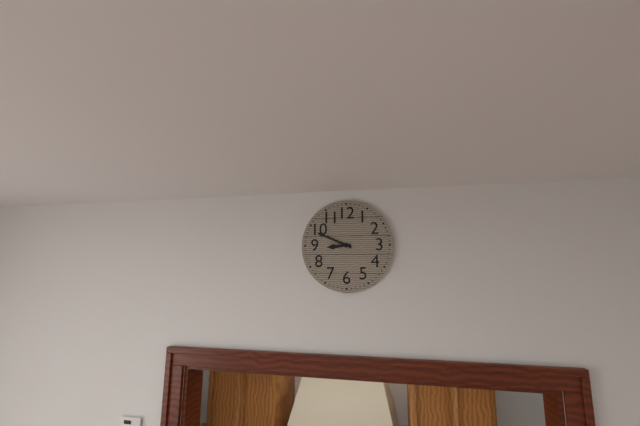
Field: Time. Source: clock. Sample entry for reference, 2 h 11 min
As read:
8 h 49 min
